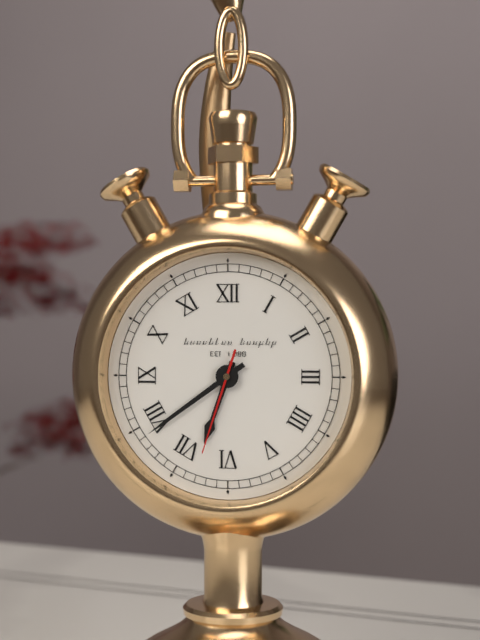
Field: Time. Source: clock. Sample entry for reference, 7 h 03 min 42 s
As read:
6 h 39 min 33 s
